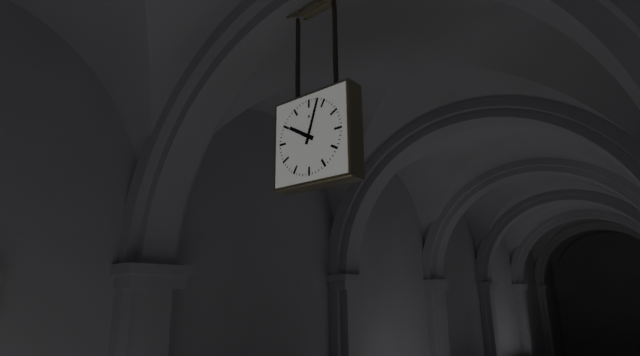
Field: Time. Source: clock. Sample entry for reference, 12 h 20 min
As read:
10 h 03 min
